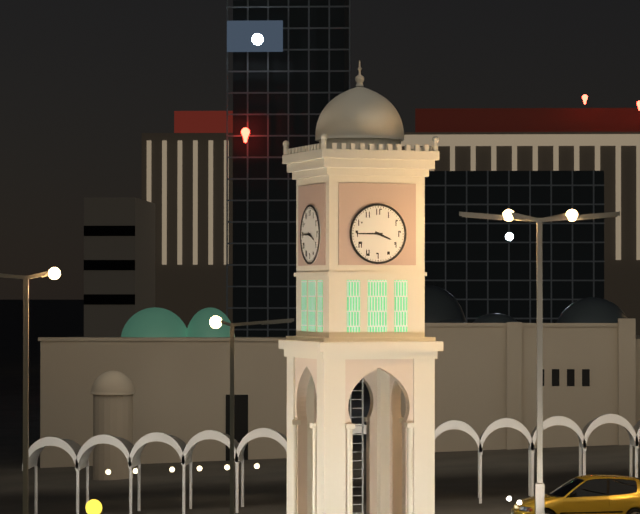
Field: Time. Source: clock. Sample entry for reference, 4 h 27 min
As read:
3 h 45 min
